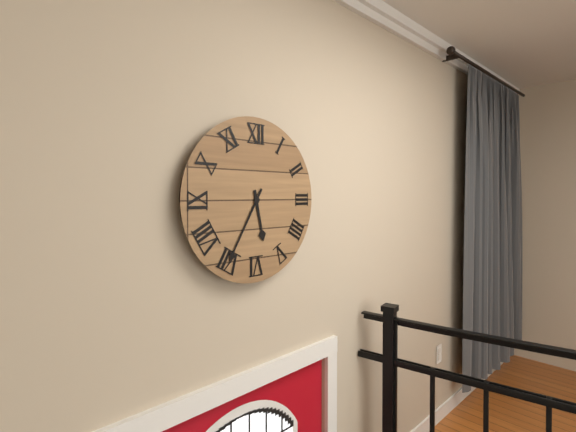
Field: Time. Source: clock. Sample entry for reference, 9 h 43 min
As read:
5 h 35 min
